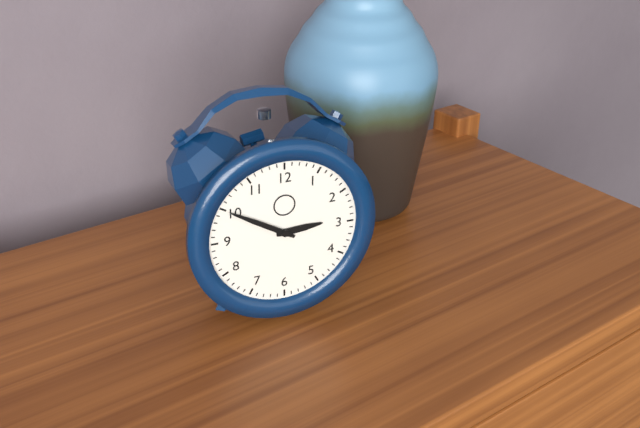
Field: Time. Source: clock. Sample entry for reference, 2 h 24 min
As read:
2 h 50 min
